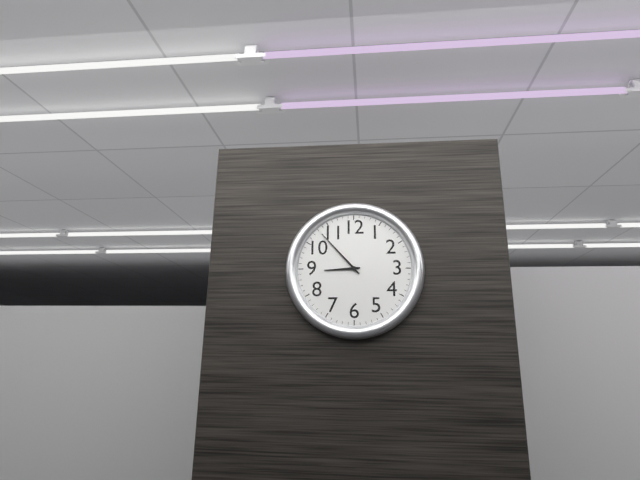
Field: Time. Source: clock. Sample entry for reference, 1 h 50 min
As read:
8 h 53 min
